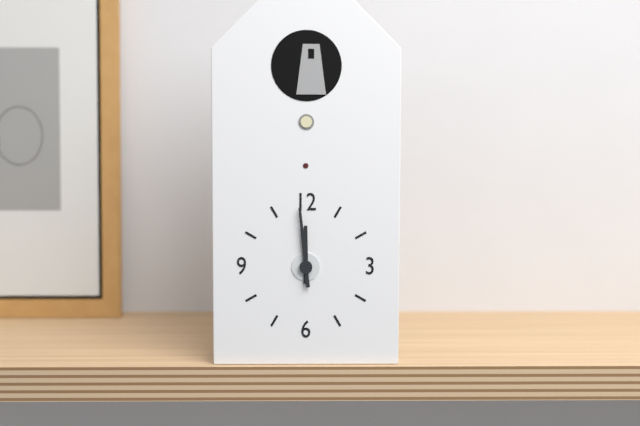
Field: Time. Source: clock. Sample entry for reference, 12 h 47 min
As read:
11 h 59 min
